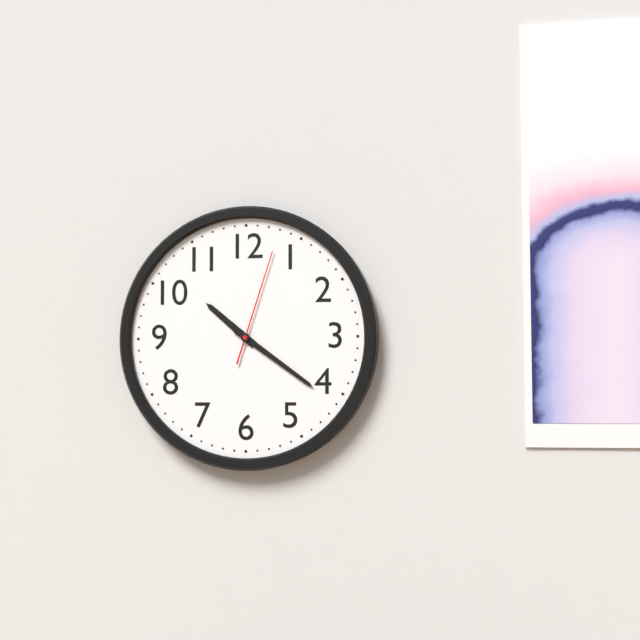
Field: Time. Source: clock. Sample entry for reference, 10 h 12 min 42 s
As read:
10 h 21 min 03 s
